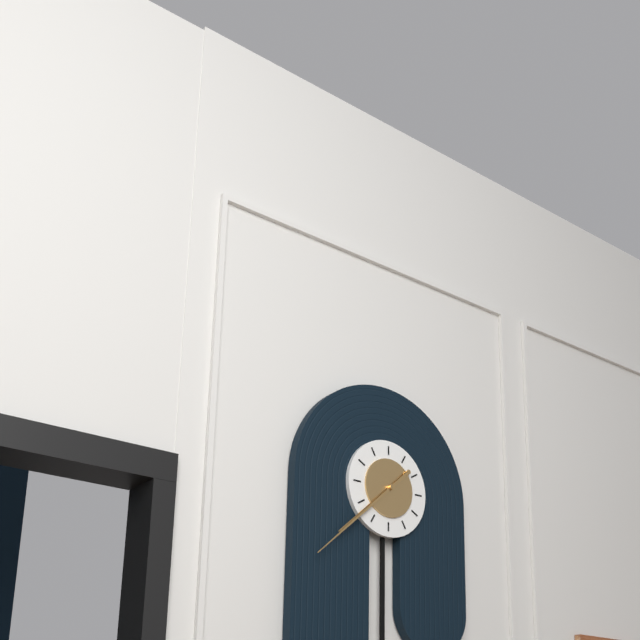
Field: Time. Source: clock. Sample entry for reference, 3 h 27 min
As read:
7 h 38 min
